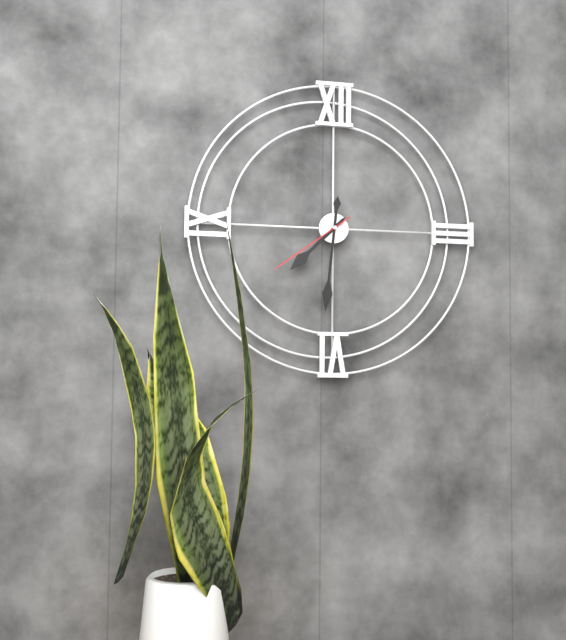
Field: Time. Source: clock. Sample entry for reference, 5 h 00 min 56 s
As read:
7 h 31 min 39 s
